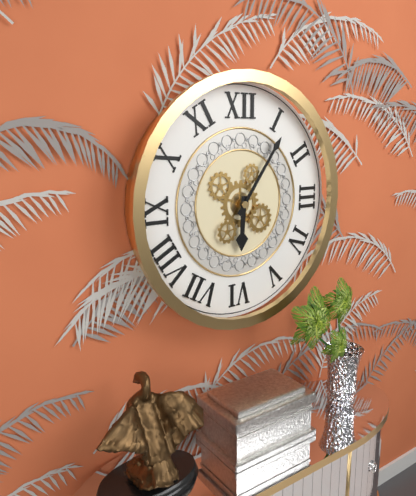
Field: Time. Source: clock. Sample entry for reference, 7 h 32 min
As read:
6 h 06 min
